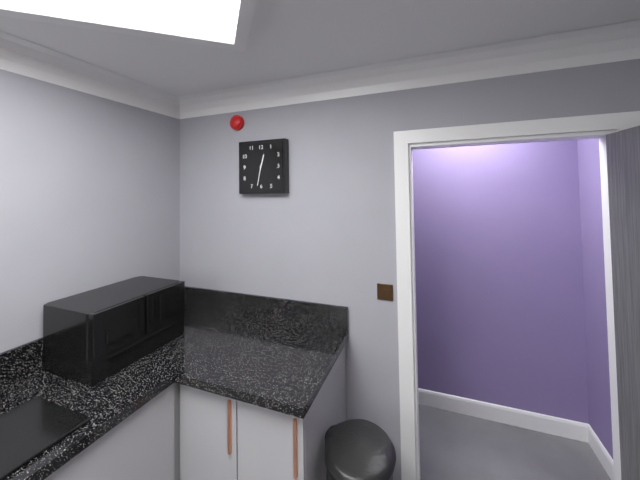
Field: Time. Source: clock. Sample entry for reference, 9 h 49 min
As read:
12 h 32 min
